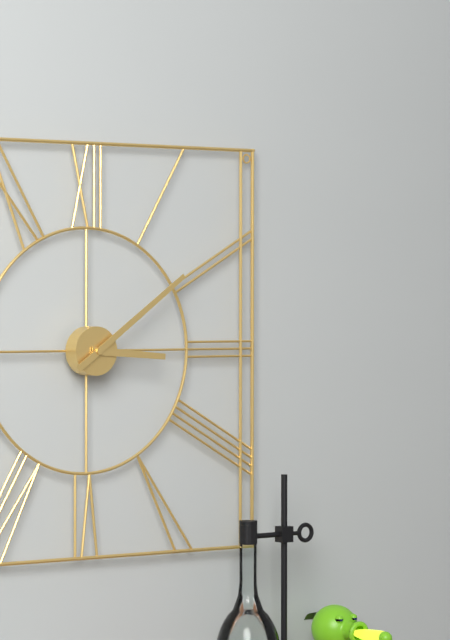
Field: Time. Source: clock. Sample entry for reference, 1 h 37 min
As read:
3 h 09 min
